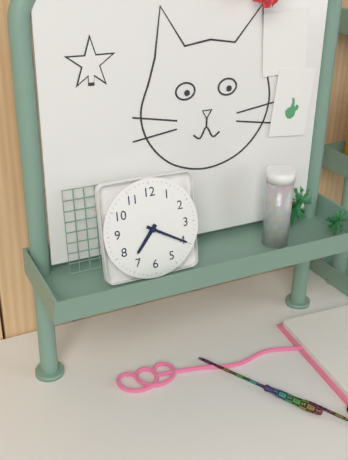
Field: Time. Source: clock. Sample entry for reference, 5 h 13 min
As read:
7 h 20 min
